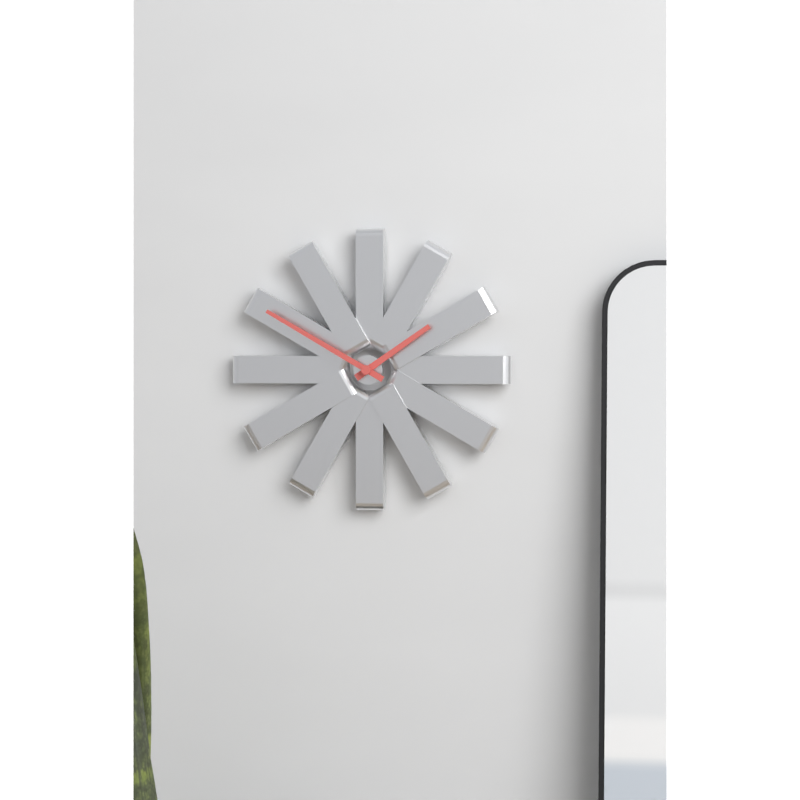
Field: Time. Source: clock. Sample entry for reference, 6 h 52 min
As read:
1 h 50 min
